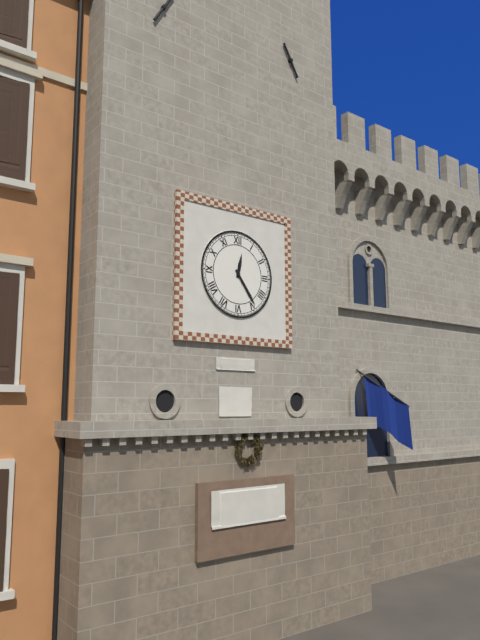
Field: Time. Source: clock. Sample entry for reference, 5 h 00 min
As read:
12 h 24 min
